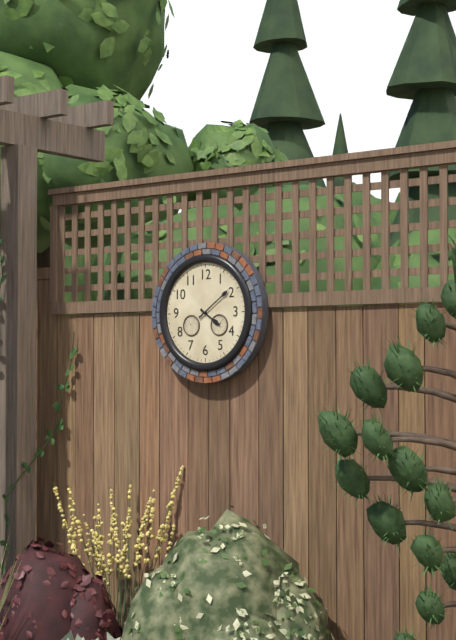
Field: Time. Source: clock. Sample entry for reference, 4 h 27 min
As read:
4 h 09 min
